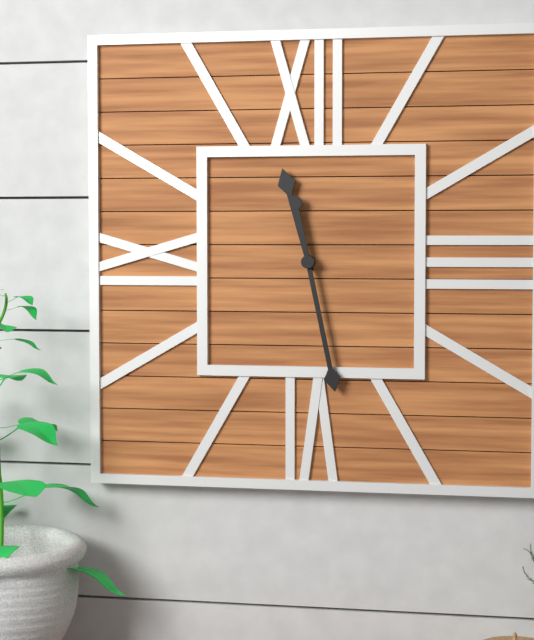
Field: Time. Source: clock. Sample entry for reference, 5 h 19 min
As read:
11 h 28 min
